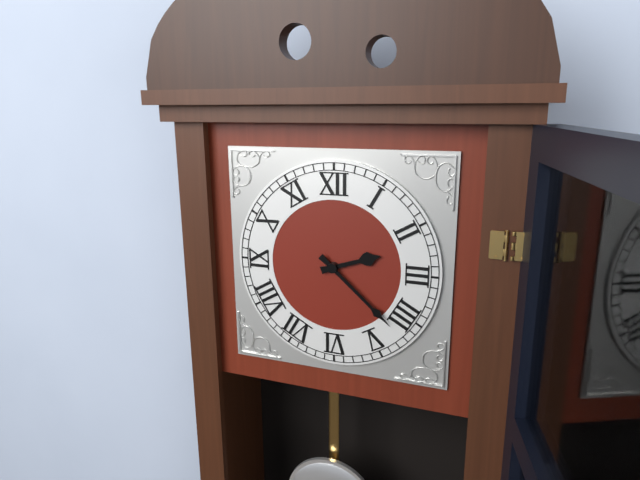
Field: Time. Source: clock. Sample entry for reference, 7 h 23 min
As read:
2 h 22 min
